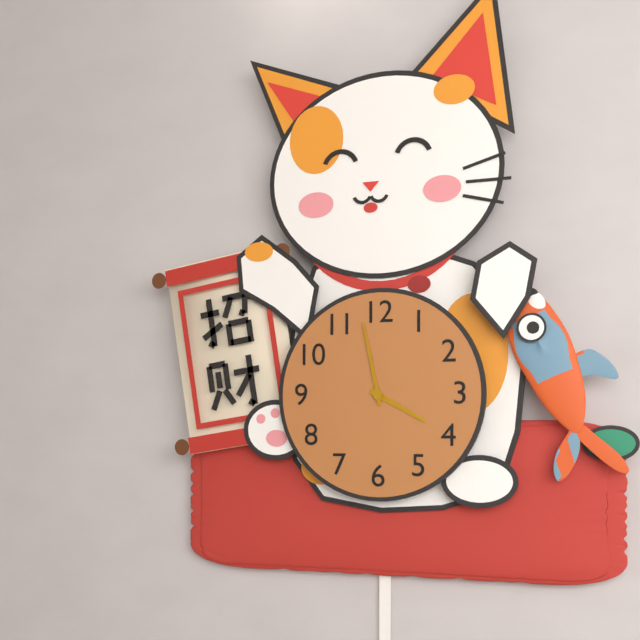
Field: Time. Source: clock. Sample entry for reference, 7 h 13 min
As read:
3 h 58 min
